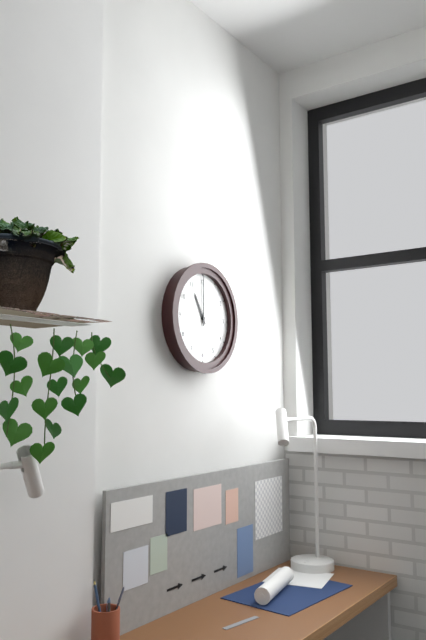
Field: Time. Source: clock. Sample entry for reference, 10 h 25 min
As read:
11 h 00 min
